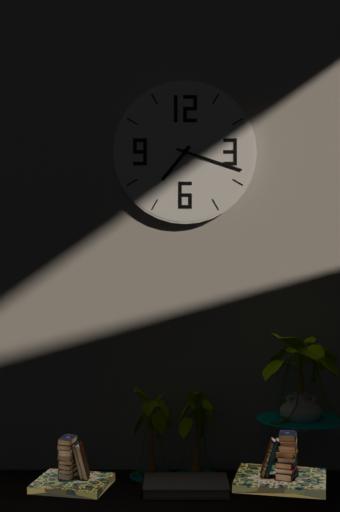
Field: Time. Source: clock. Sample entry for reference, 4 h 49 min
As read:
7 h 18 min
